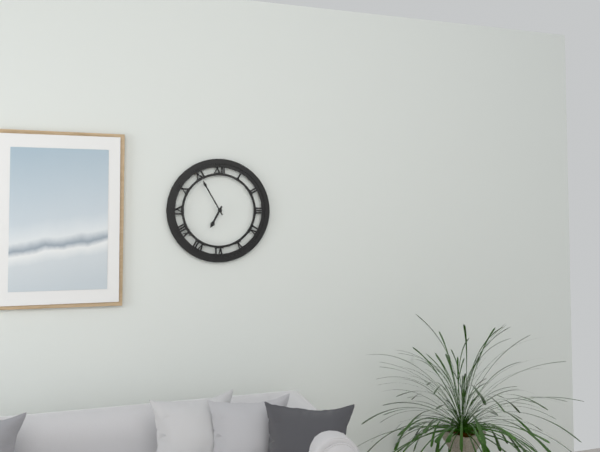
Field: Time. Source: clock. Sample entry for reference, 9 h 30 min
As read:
6 h 55 min
